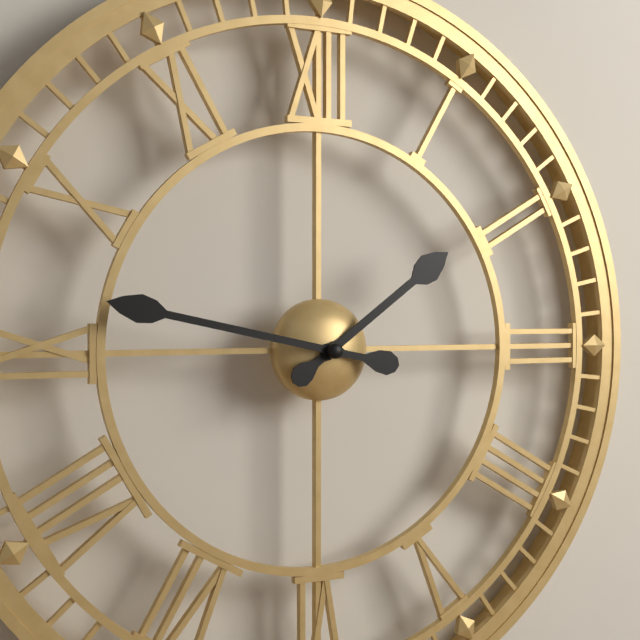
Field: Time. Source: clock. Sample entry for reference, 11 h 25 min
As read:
1 h 47 min
